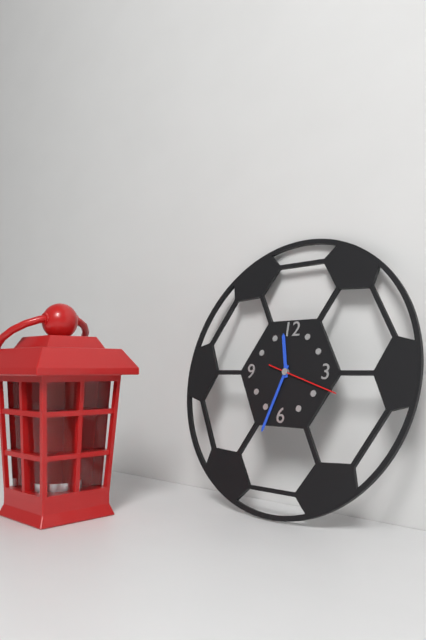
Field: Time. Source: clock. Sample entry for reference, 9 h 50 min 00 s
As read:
11 h 33 min 18 s
